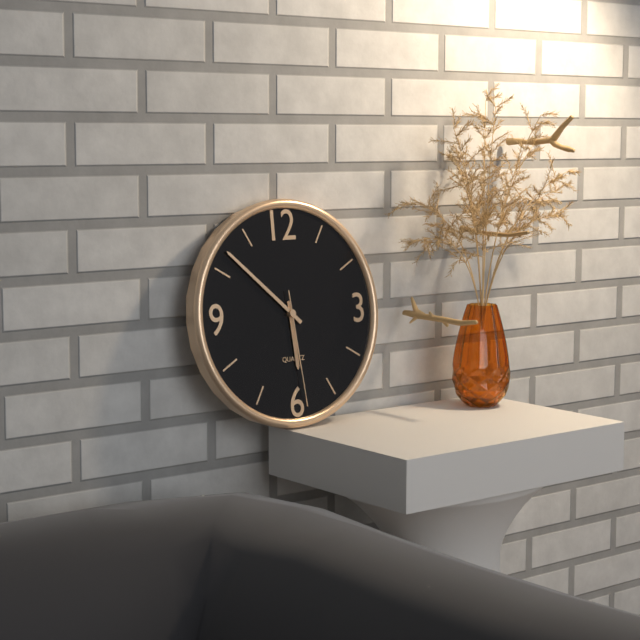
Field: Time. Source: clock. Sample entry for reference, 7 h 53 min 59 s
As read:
5 h 52 min 29 s
